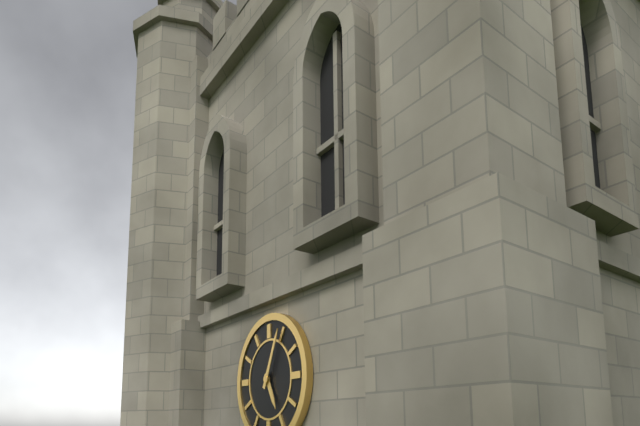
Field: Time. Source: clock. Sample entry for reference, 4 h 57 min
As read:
5 h 04 min
